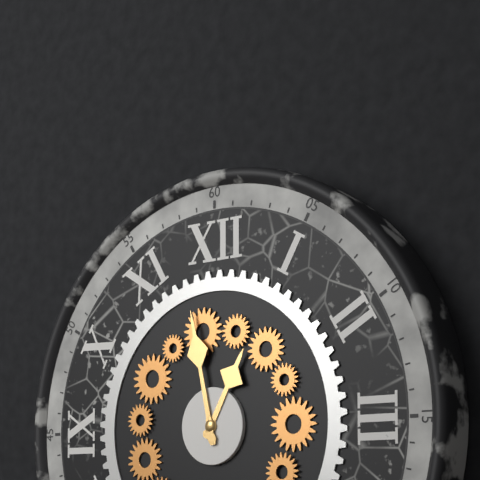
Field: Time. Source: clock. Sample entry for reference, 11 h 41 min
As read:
12 h 58 min
